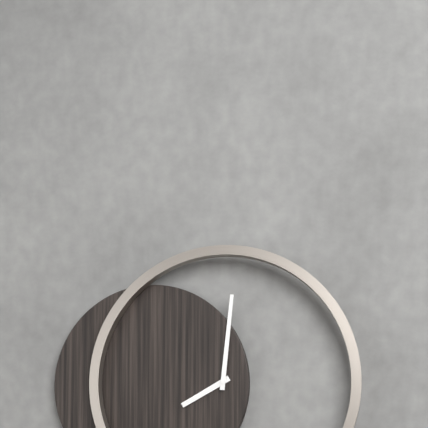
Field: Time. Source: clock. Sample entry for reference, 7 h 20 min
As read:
8 h 01 min
